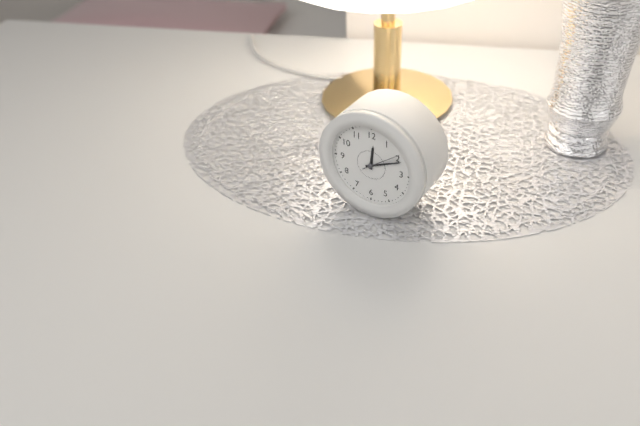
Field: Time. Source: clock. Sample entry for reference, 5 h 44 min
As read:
12 h 11 min
